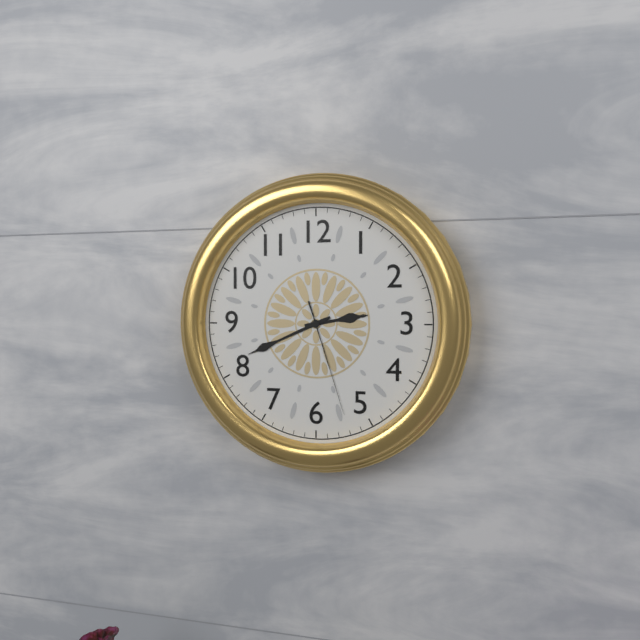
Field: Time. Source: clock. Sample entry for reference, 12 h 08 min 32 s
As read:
2 h 41 min 27 s
